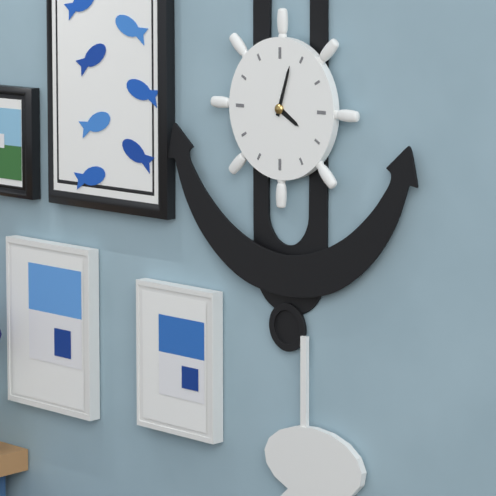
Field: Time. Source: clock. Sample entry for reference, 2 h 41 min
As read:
4 h 03 min
